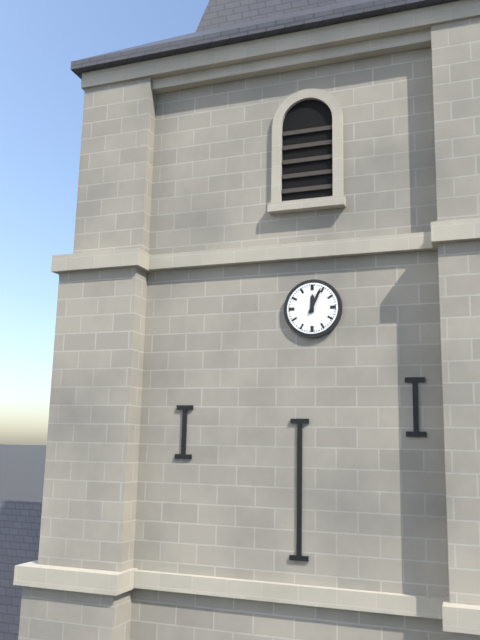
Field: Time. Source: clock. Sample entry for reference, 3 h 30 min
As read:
12 h 04 min
